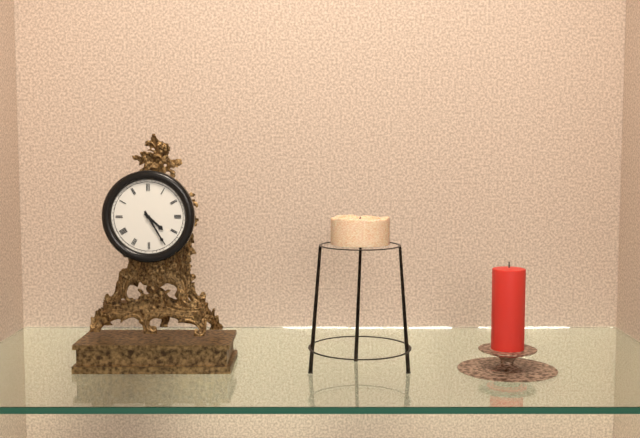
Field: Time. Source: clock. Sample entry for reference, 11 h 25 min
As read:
4 h 25 min
